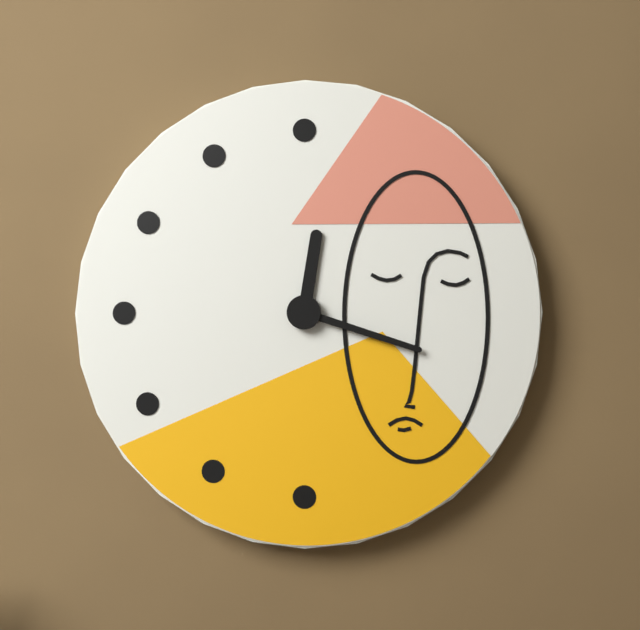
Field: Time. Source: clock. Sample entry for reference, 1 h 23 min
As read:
12 h 18 min
